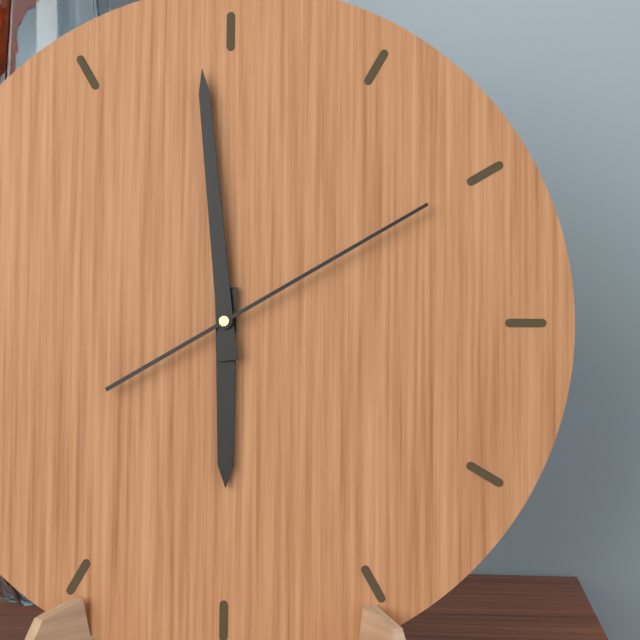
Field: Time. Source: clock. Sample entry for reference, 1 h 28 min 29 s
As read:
5 h 59 min 10 s
